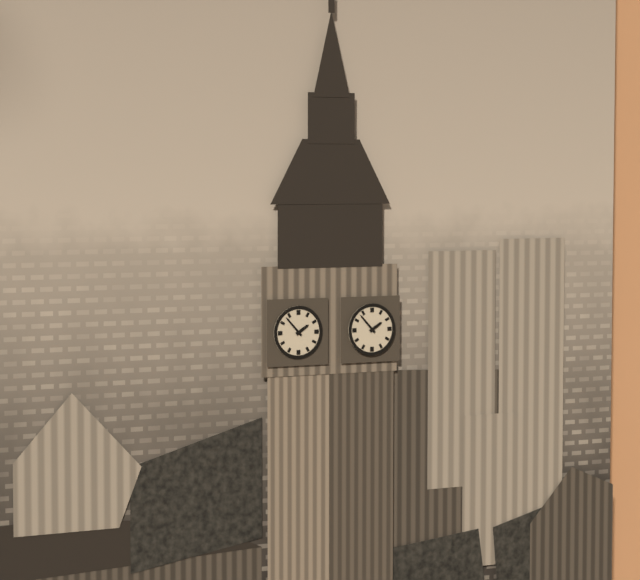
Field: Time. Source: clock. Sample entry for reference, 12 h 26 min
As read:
1 h 53 min
